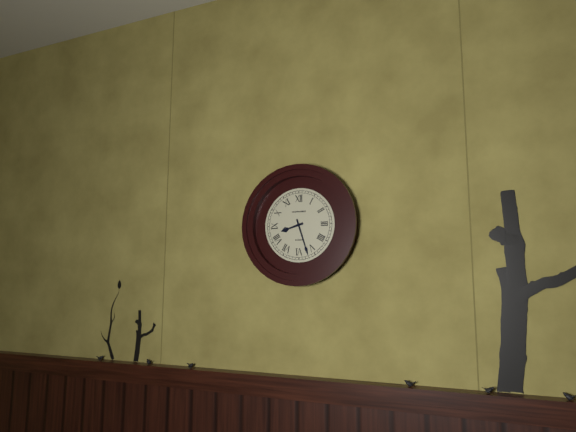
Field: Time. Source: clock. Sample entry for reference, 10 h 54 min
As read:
8 h 27 min
